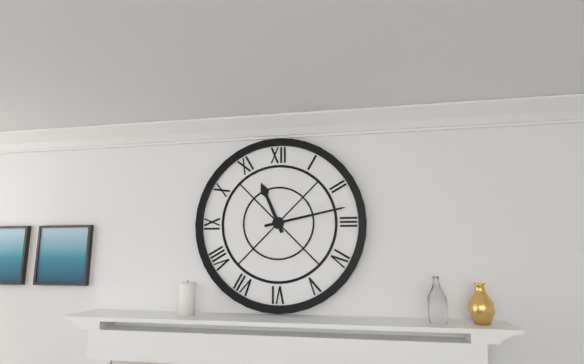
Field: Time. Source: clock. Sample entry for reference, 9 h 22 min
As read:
11 h 13 min
